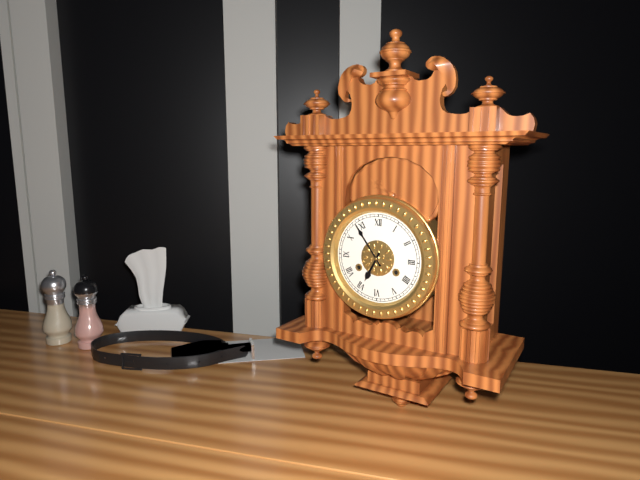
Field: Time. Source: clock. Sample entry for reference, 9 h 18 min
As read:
6 h 54 min
